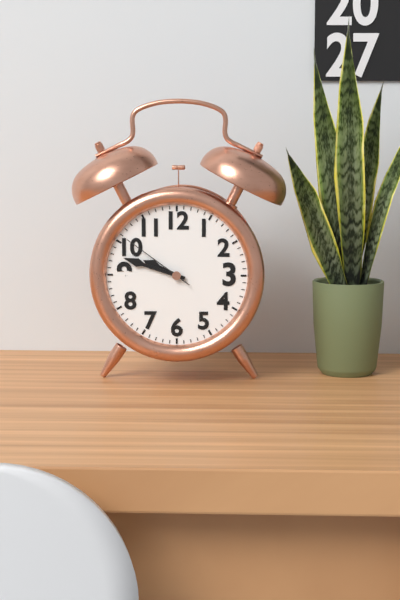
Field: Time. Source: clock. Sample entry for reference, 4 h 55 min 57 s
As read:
9 h 48 min 51 s
